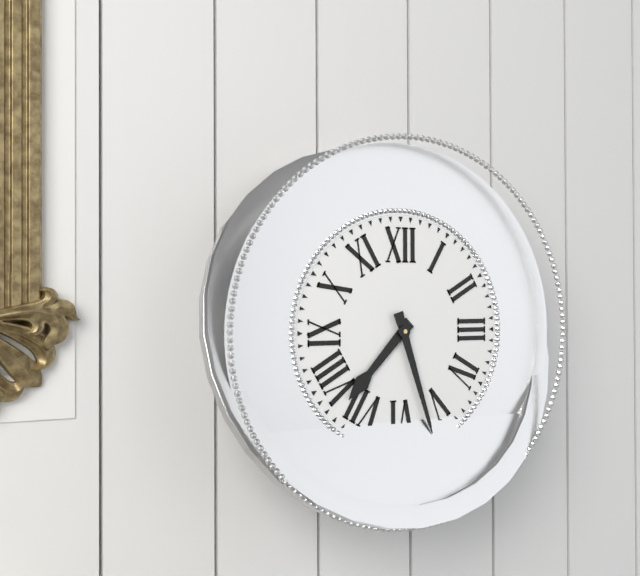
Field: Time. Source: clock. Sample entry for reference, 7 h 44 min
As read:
7 h 27 min
